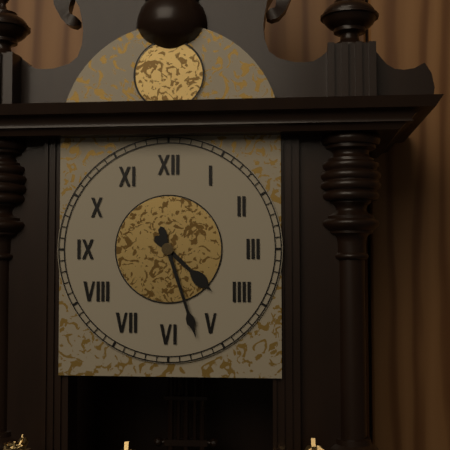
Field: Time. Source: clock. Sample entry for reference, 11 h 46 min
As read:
4 h 27 min
